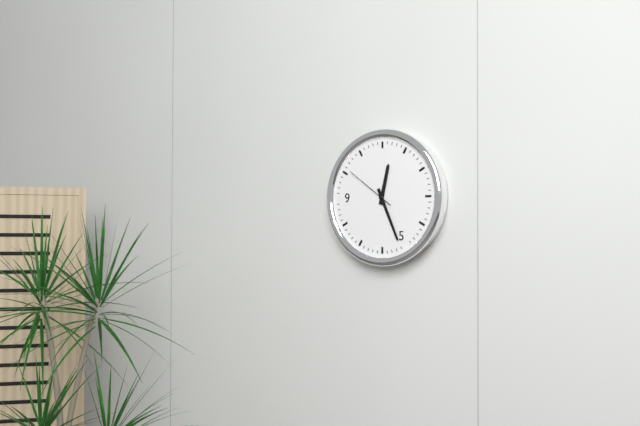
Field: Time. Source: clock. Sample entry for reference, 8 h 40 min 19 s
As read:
12 h 26 min 51 s
